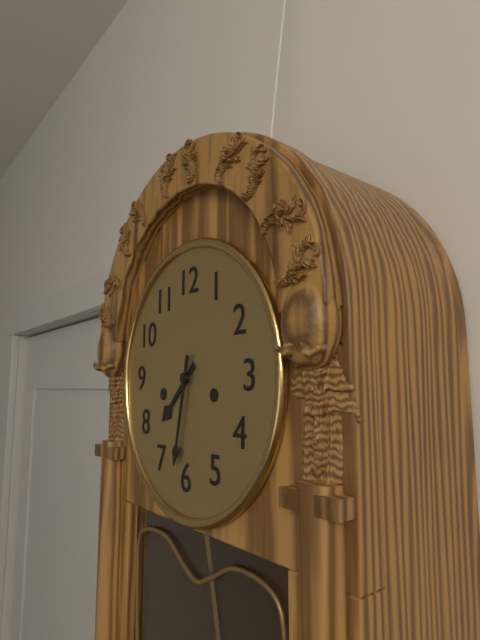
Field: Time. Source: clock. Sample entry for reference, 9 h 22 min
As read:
7 h 32 min
